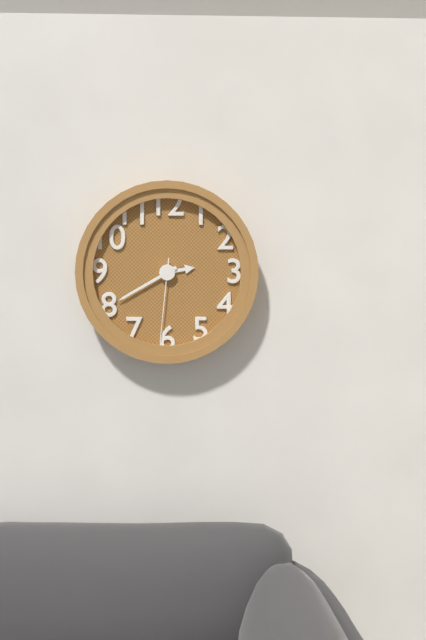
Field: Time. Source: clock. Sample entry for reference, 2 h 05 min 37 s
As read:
2 h 40 min 31 s
